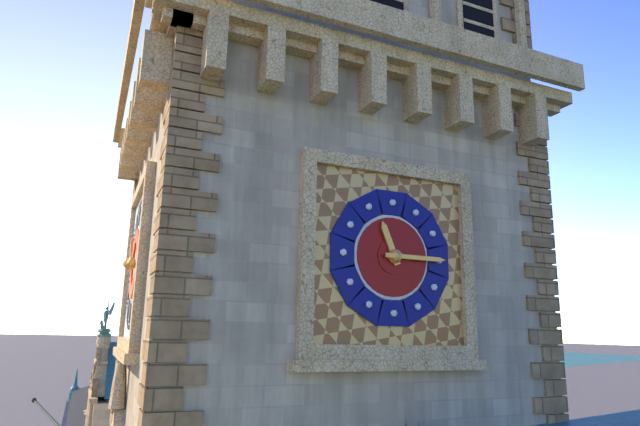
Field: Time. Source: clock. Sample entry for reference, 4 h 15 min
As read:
11 h 15 min
